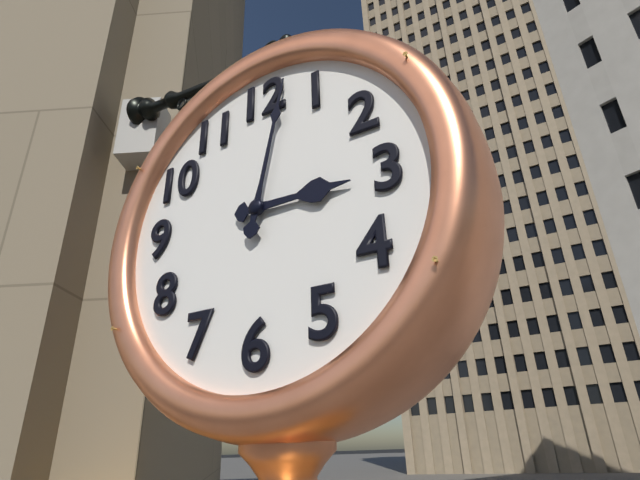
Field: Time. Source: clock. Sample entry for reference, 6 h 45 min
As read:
3 h 02 min
